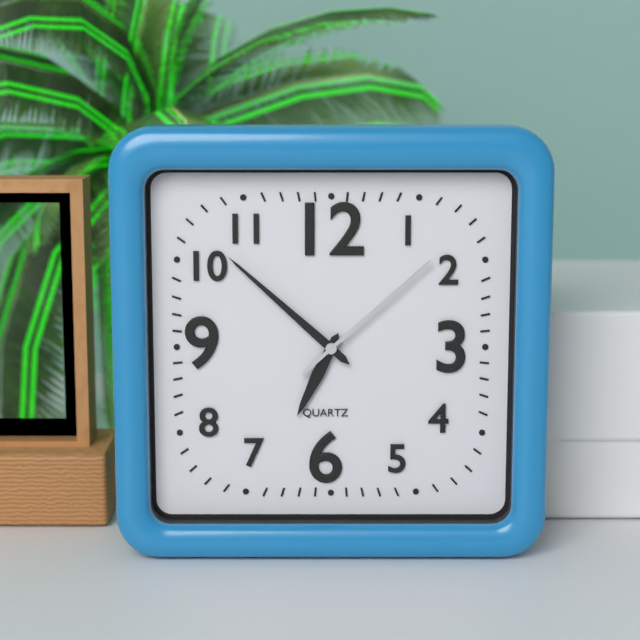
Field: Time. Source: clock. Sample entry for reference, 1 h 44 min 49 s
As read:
6 h 52 min 08 s
